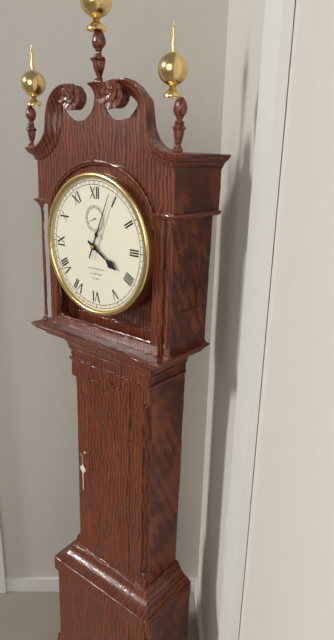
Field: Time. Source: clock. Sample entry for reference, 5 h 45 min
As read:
4 h 04 min
